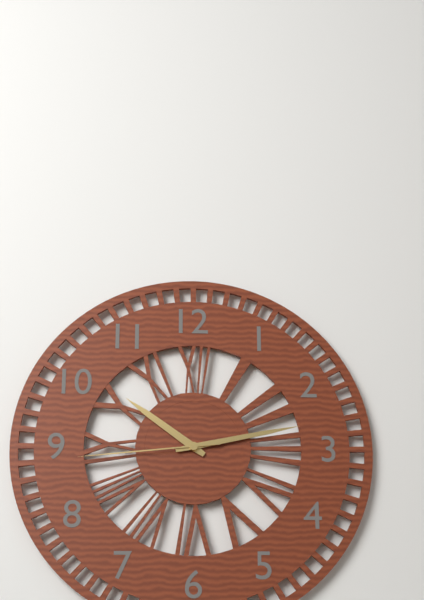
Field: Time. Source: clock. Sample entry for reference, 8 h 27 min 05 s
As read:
10 h 13 min 44 s
